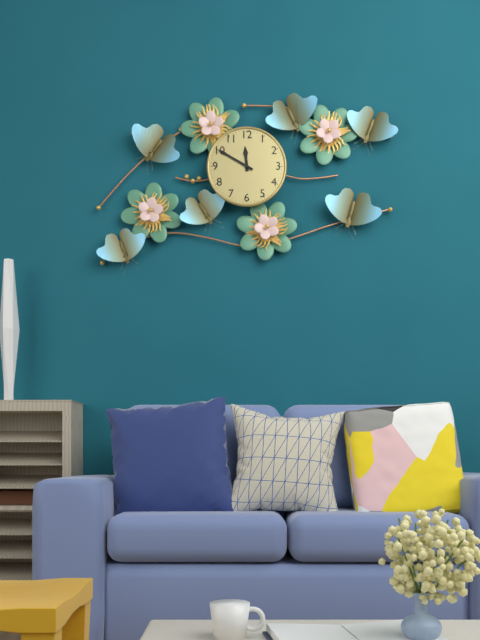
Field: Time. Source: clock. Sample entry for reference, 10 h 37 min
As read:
11 h 50 min
